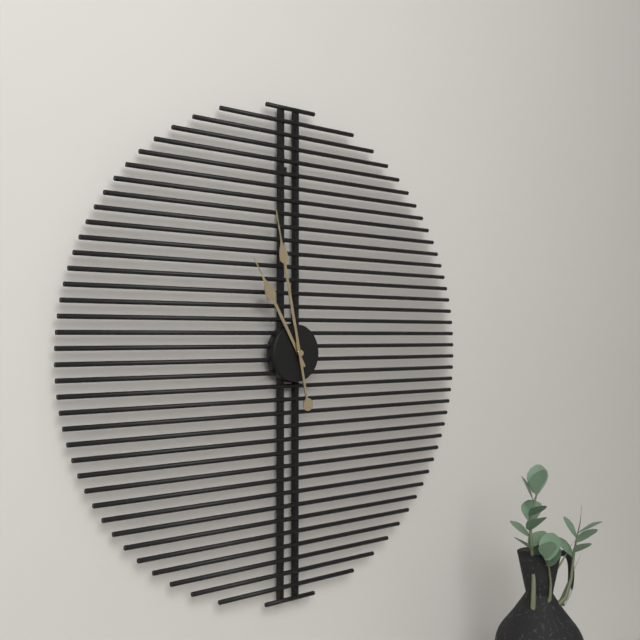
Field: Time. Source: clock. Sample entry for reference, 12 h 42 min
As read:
10 h 58 min
